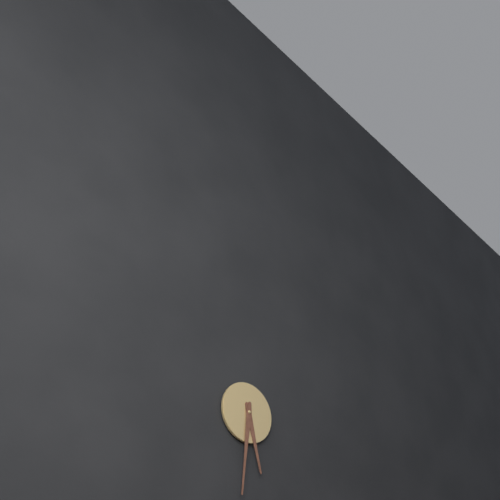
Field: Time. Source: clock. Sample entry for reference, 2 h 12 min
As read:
5 h 31 min
